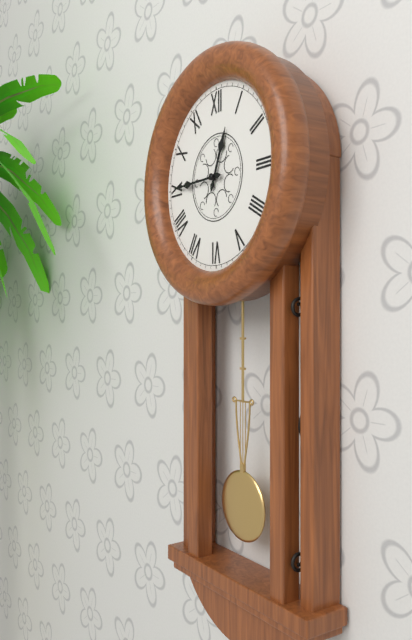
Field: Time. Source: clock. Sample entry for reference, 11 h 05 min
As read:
12 h 45 min
